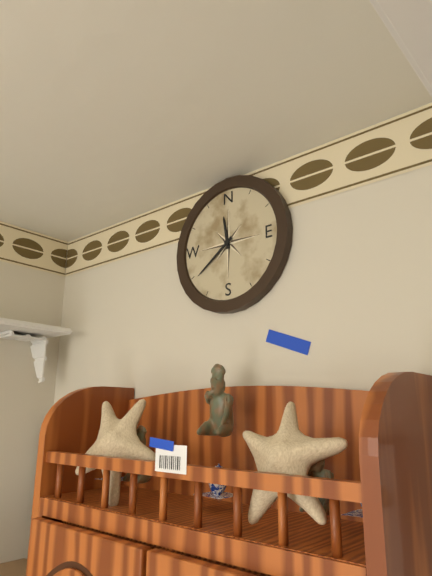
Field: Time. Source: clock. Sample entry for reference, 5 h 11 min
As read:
11 h 39 min
